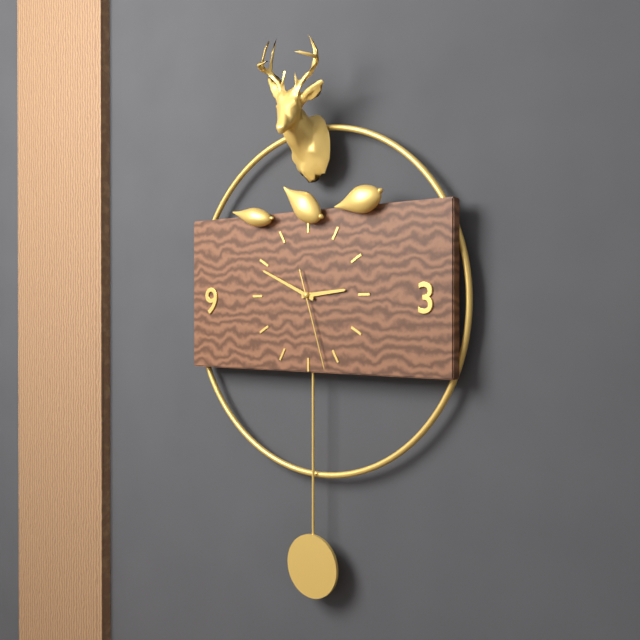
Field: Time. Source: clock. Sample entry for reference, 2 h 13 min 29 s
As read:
2 h 49 min 27 s
